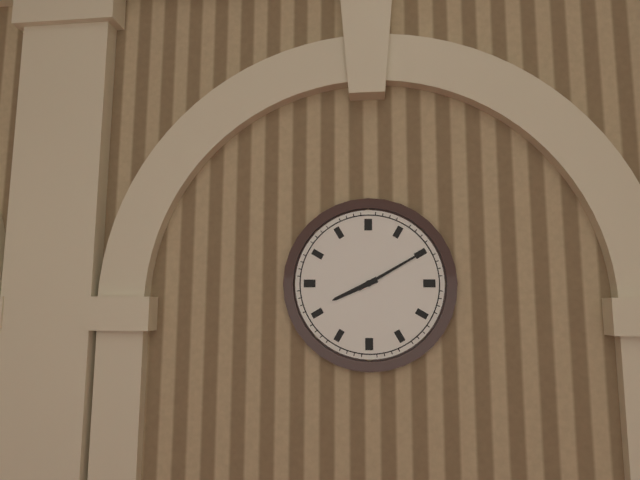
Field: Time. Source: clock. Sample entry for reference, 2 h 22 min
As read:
8 h 10 min
